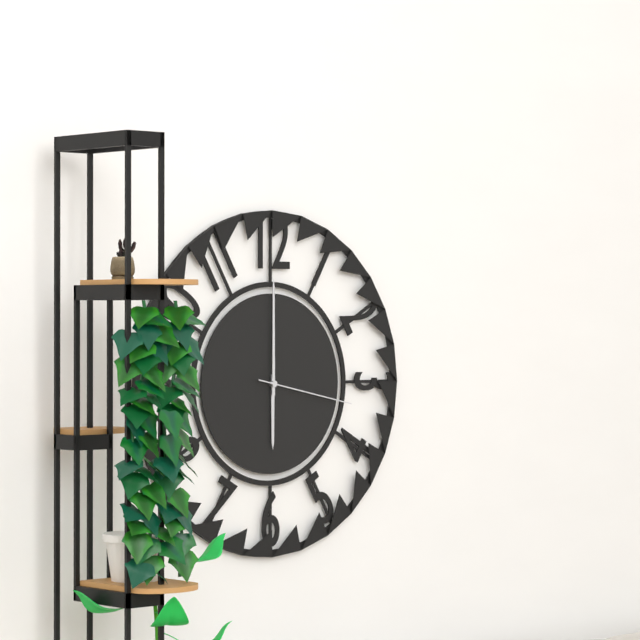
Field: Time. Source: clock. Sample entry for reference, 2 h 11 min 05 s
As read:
6 h 00 min 17 s
